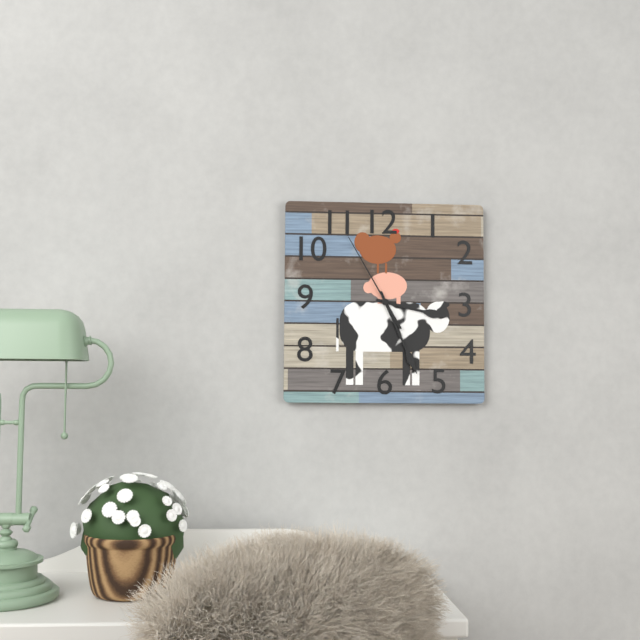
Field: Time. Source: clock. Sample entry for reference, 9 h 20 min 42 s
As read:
3 h 26 min 55 s
